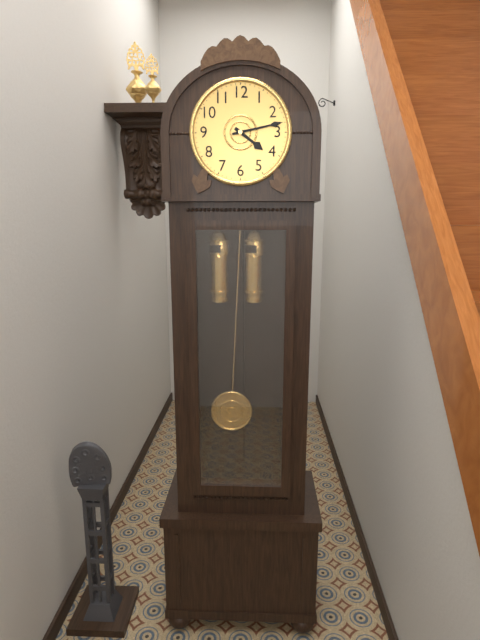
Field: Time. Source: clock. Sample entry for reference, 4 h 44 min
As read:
4 h 13 min
